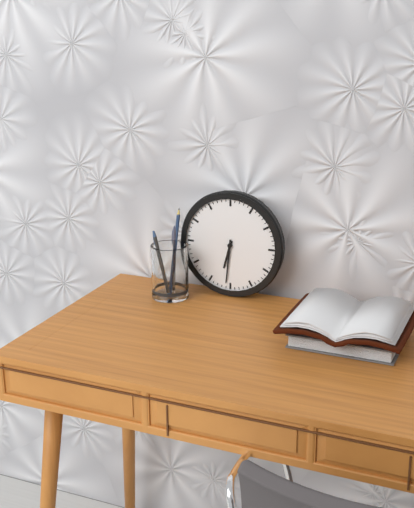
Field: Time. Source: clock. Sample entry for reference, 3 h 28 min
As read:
6 h 31 min
